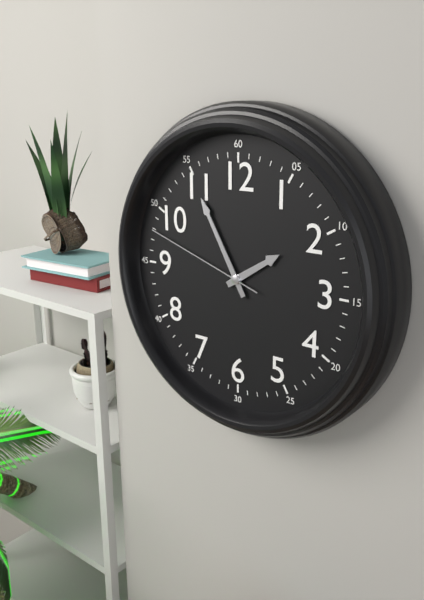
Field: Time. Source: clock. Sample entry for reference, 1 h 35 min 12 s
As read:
1 h 55 min 48 s
